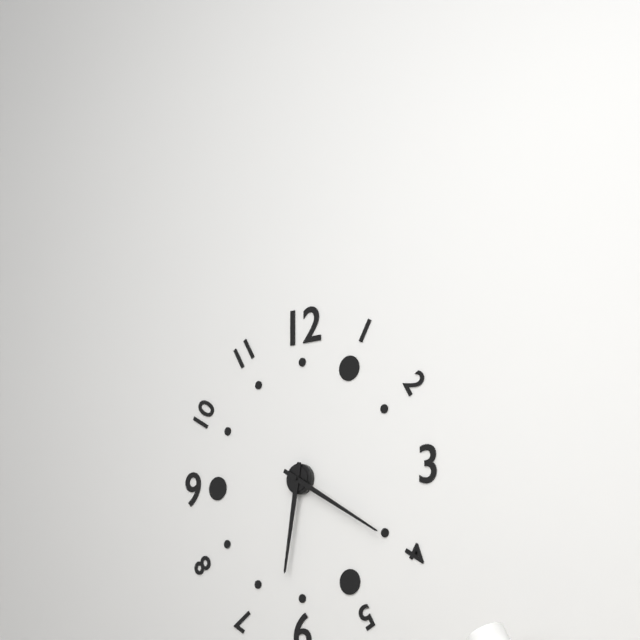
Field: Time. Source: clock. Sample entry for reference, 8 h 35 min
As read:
6 h 20 min
